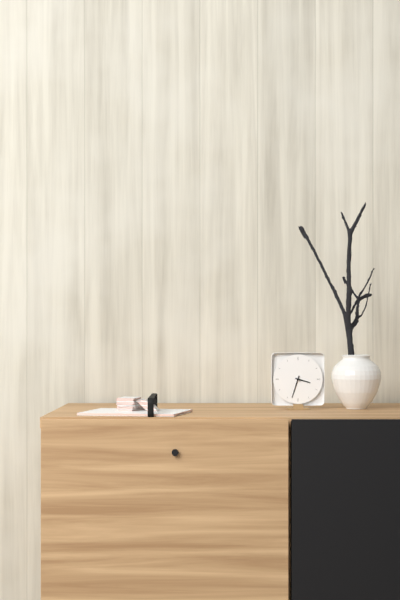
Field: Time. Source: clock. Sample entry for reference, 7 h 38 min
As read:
3 h 33 min
